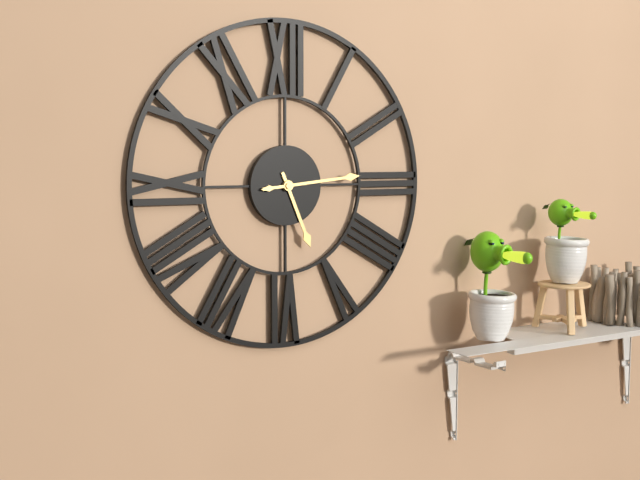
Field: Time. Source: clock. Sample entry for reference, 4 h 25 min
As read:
5 h 14 min
